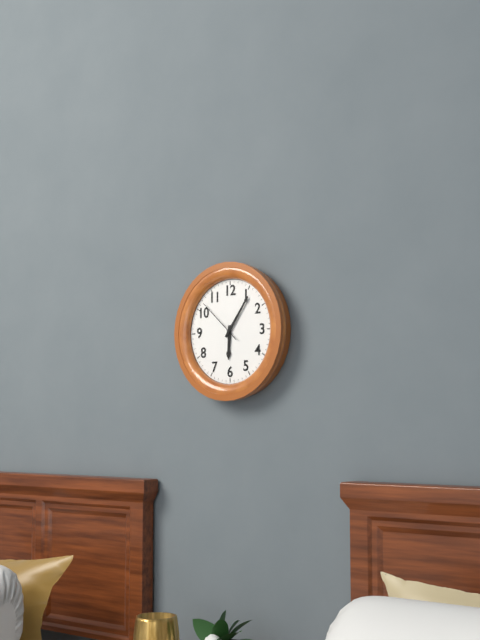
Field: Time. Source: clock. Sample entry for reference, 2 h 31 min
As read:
6 h 06 min
